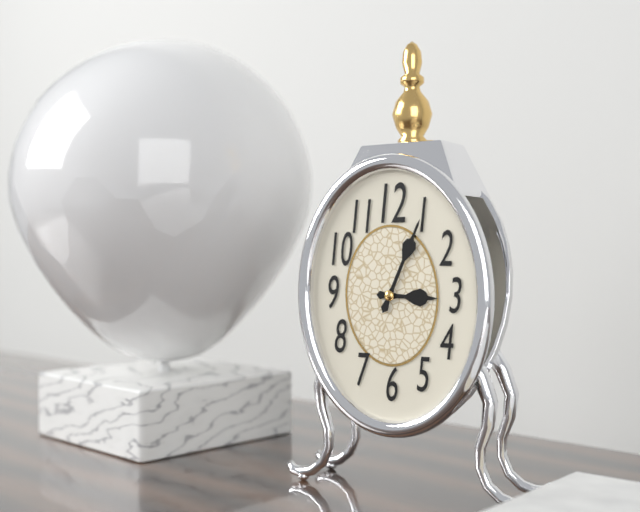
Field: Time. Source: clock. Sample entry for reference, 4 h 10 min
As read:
3 h 04 min
